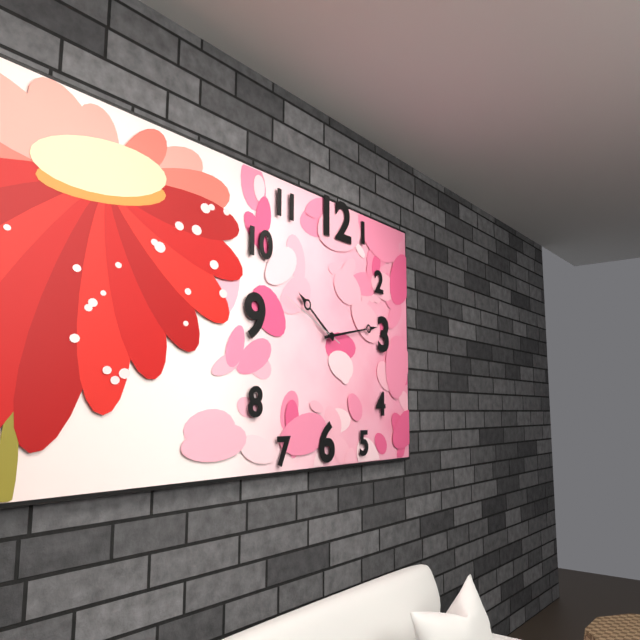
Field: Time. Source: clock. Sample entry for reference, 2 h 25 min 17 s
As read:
10 h 13 min 49 s
